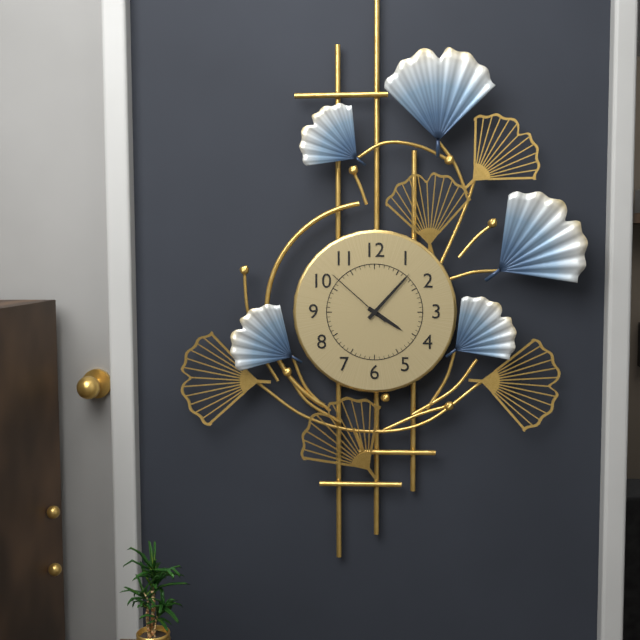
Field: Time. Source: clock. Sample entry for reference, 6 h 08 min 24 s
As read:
4 h 07 min 52 s
